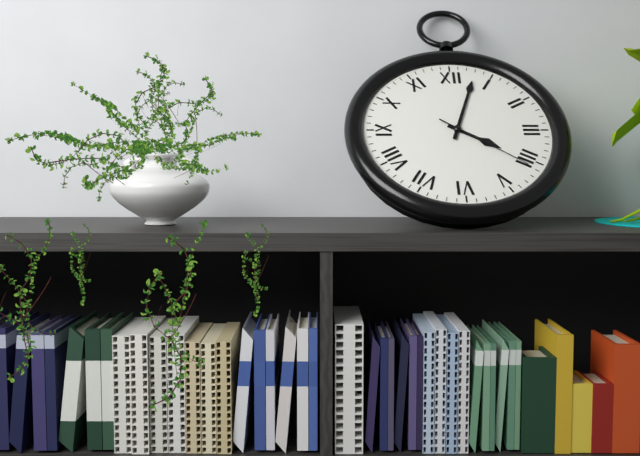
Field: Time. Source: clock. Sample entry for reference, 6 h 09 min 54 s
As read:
4 h 03 min 21 s
